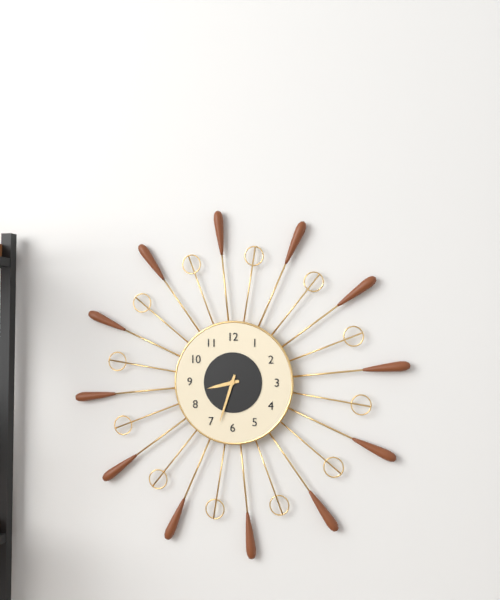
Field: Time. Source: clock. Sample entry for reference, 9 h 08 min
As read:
8 h 33 min
